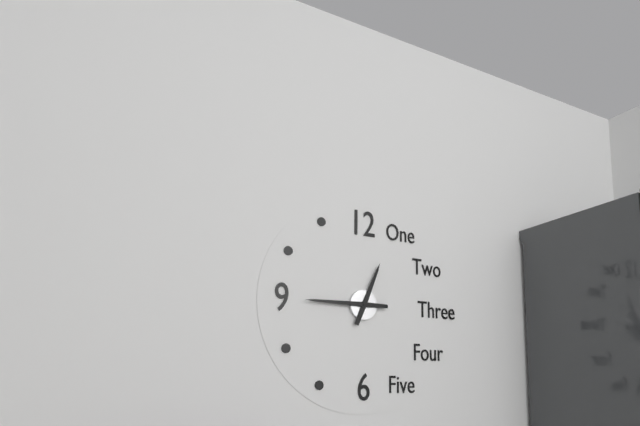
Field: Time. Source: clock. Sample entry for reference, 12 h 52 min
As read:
12 h 45 min
